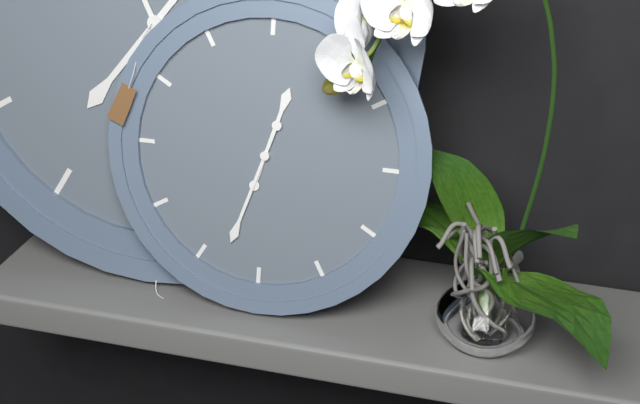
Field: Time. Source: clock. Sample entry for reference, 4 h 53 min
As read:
12 h 33 min
